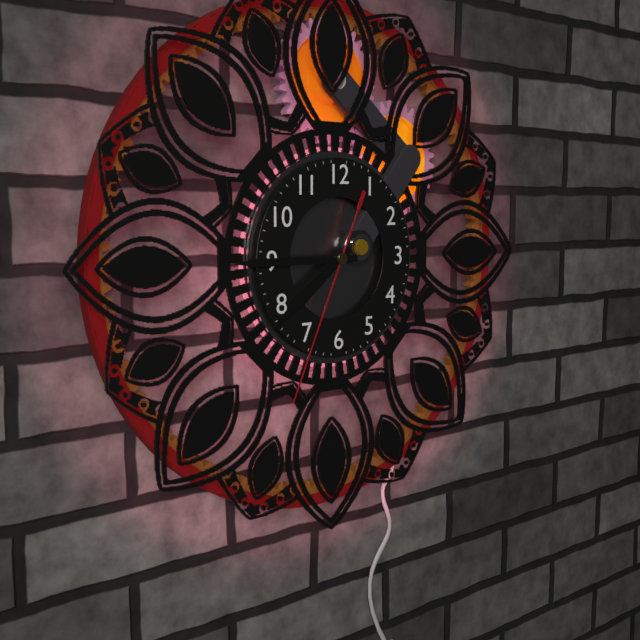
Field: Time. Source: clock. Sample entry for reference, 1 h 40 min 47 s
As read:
7 h 45 min 34 s
